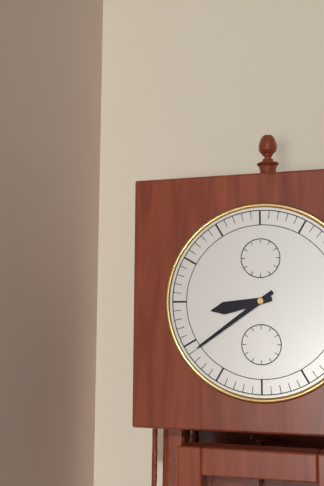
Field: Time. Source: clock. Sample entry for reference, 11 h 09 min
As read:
8 h 39 min
